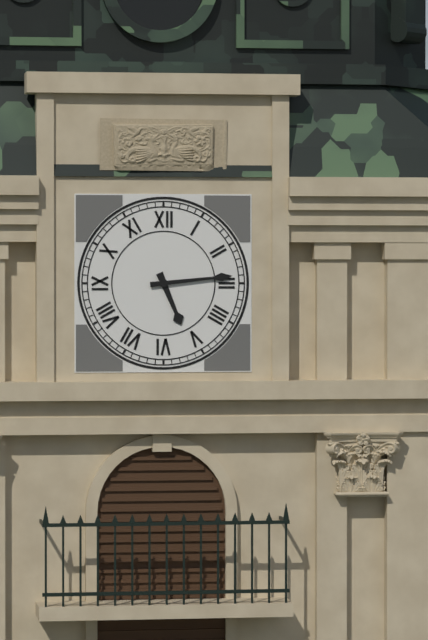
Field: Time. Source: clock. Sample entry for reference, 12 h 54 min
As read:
5 h 14 min
